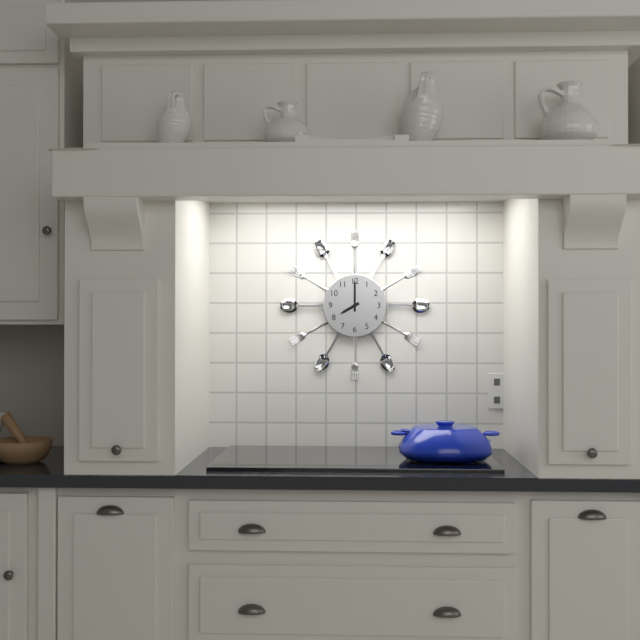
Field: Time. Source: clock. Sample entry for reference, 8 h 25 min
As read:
8 h 00 min
